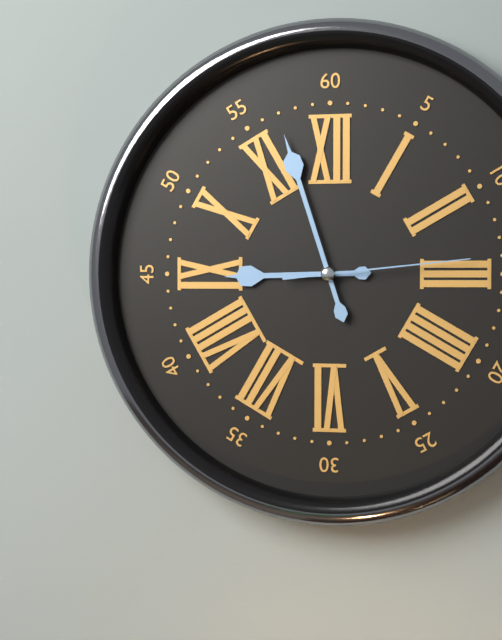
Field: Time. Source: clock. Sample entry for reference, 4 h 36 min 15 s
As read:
8 h 57 min 14 s
